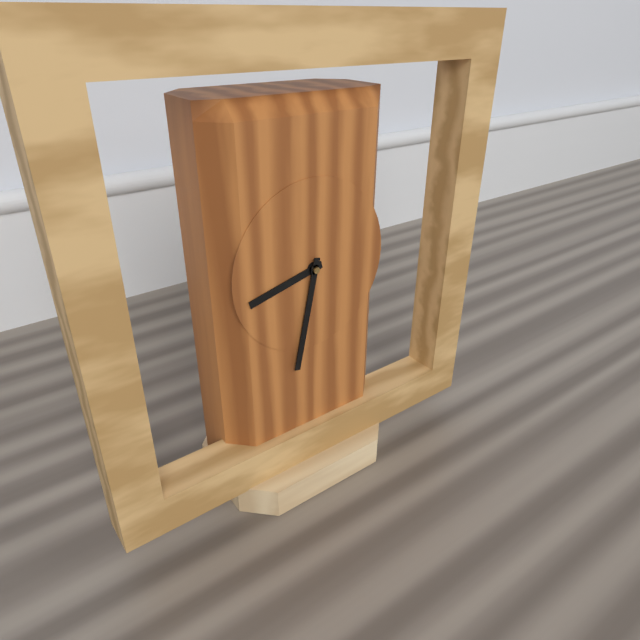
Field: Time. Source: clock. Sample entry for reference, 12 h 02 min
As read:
8 h 32 min
